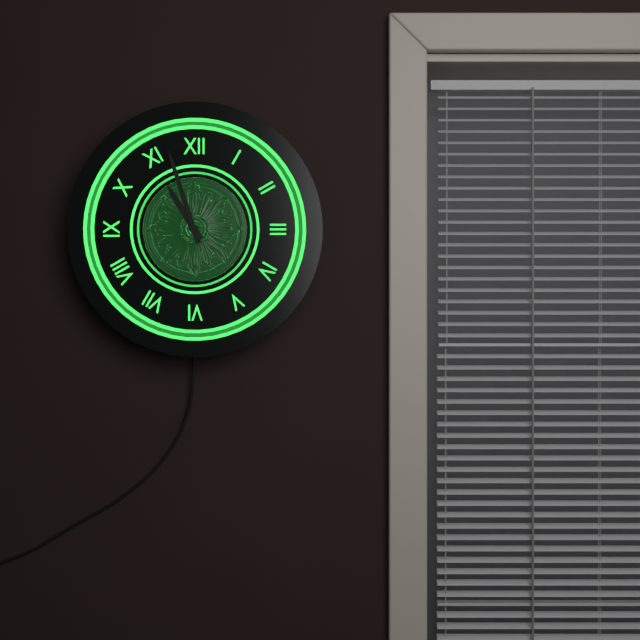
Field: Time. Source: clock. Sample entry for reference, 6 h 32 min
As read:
10 h 57 min
